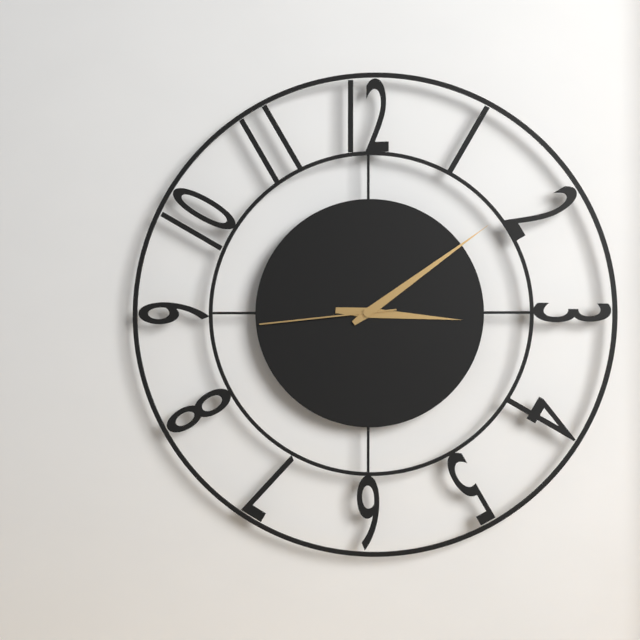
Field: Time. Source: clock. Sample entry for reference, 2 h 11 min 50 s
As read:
3 h 09 min 44 s
